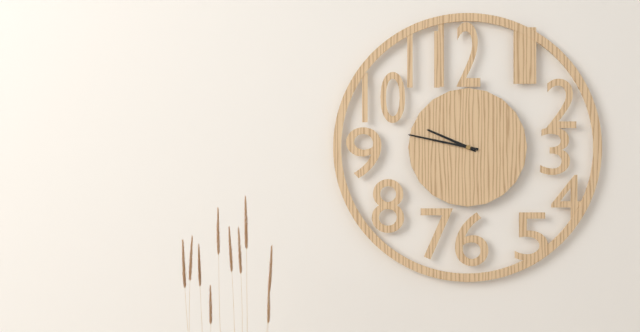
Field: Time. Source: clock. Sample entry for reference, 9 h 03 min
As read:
9 h 47 min
